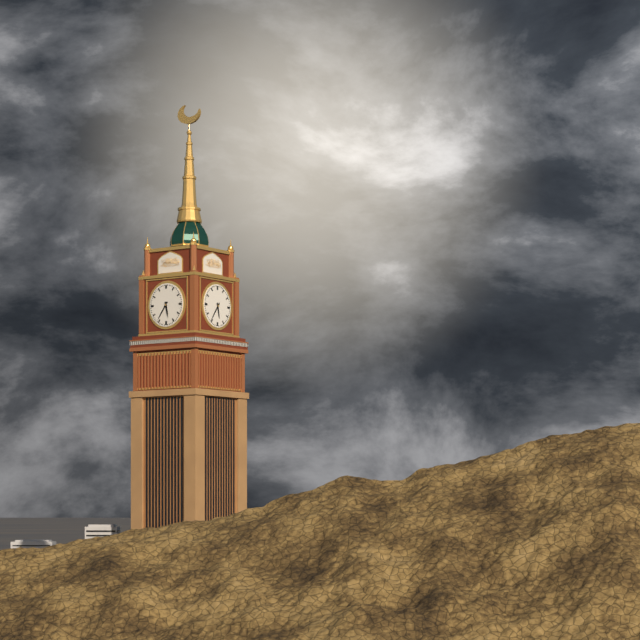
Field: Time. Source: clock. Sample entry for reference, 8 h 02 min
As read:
5 h 36 min
